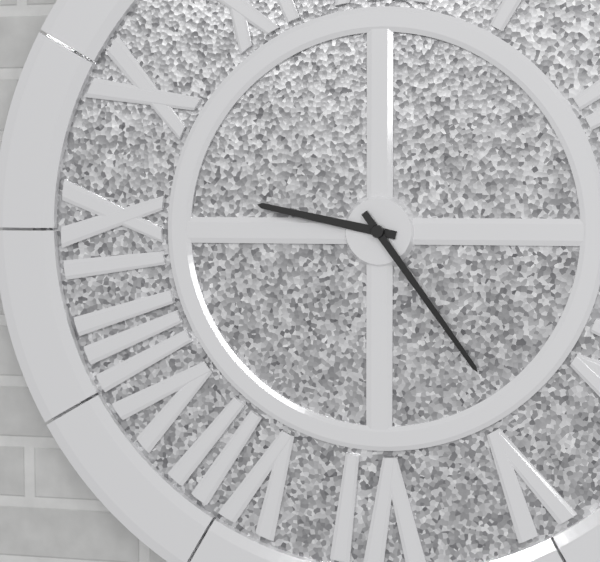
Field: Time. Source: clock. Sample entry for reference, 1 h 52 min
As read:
9 h 24 min
